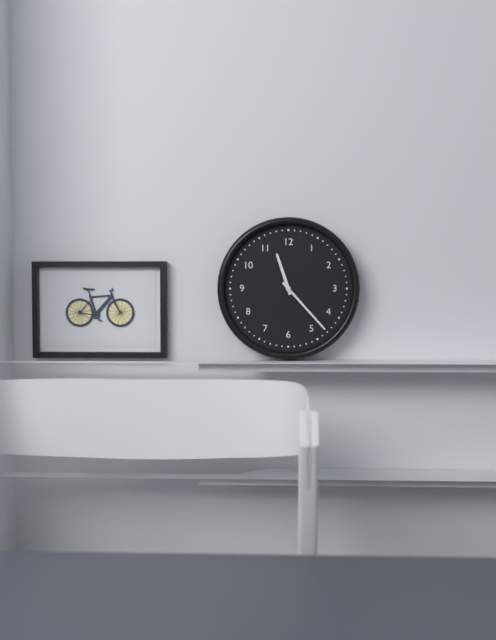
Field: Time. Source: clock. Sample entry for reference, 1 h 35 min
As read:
11 h 23 min
